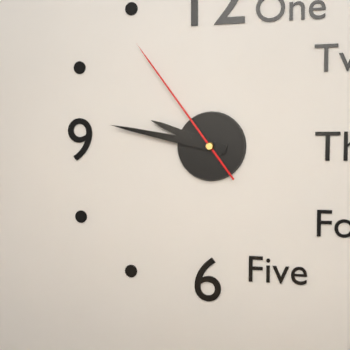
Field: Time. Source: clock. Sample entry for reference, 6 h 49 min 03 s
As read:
9 h 47 min 54 s
